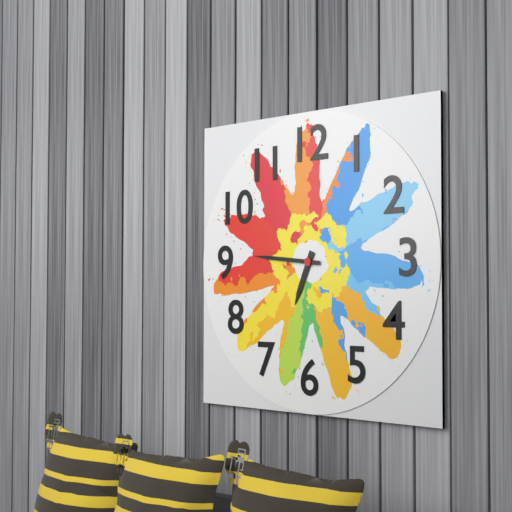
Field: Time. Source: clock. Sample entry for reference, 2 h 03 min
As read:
6 h 46 min
